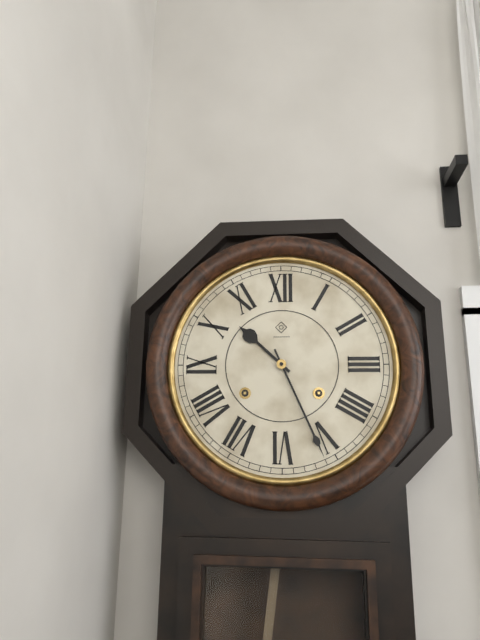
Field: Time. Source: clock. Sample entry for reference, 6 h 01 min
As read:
10 h 26 min
